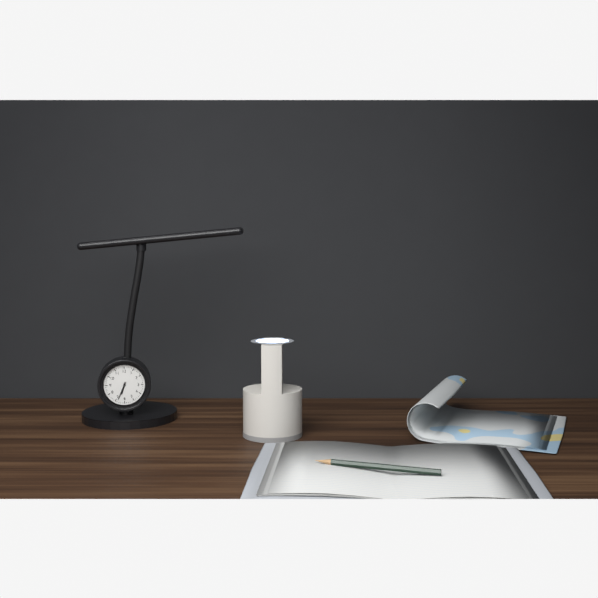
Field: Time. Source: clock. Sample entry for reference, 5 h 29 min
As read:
6 h 34 min
